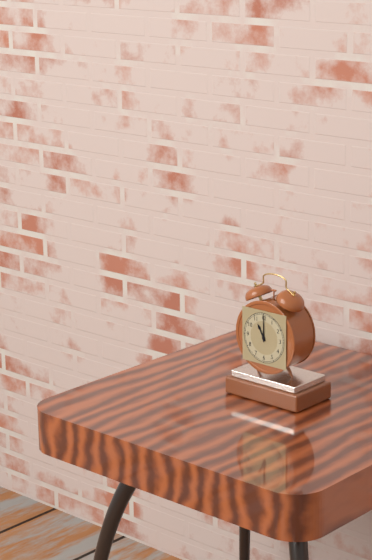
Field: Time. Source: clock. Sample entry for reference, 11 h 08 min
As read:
11 h 00 min
